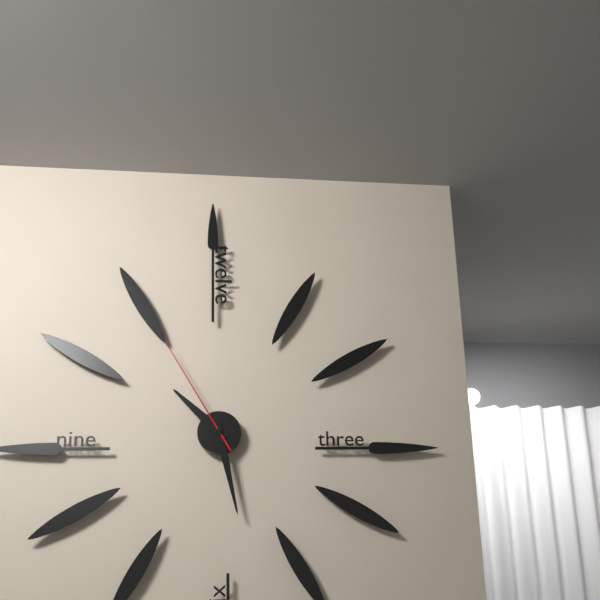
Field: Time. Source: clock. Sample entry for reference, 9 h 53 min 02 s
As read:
10 h 28 min 55 s
